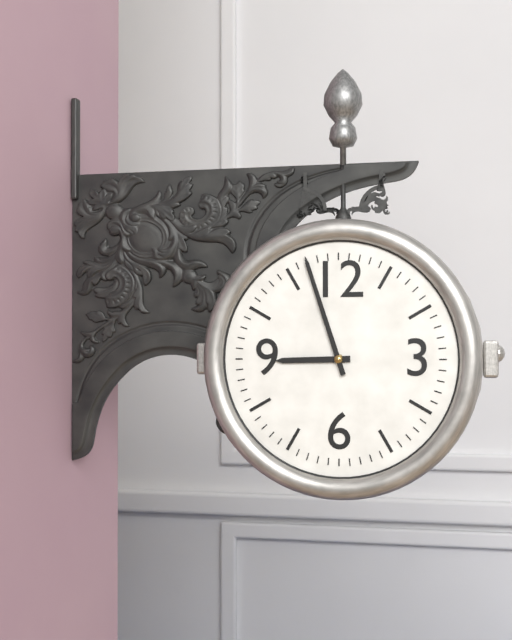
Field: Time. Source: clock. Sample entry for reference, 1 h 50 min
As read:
8 h 57 min
